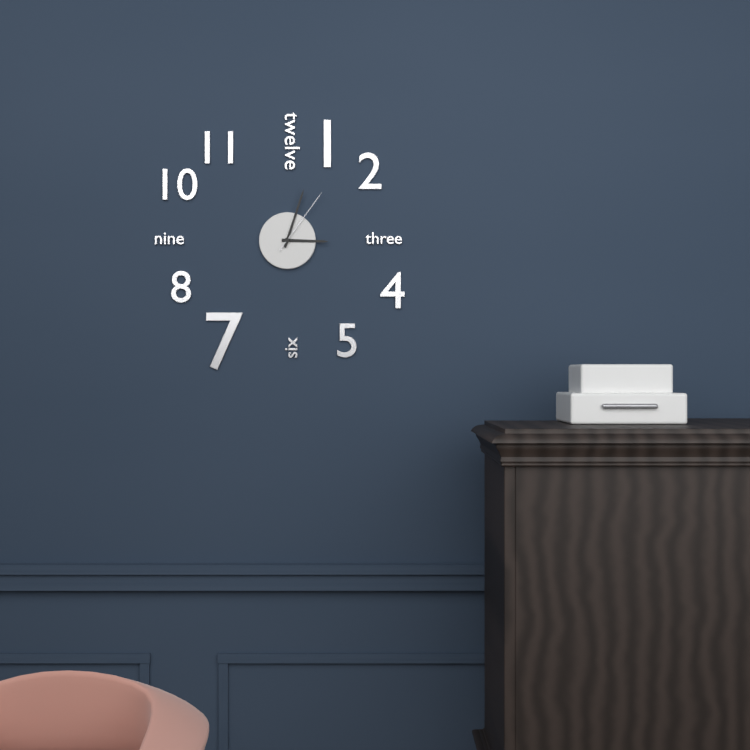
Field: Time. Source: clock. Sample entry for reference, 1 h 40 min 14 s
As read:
3 h 03 min 06 s
